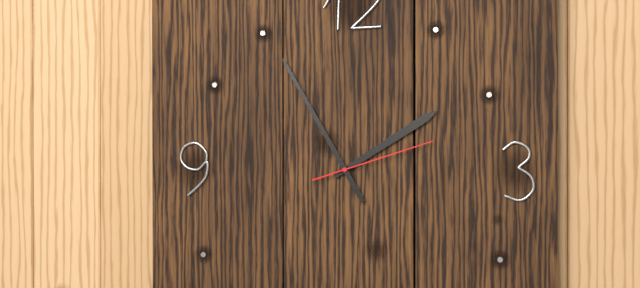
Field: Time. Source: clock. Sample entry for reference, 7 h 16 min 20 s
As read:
1 h 55 min 12 s
